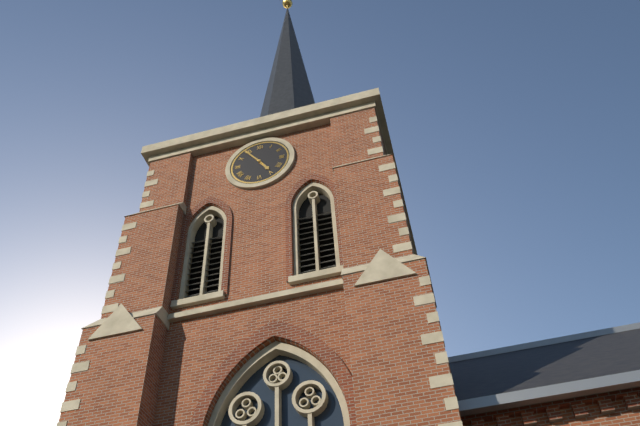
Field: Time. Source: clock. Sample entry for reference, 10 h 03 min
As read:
4 h 54 min
